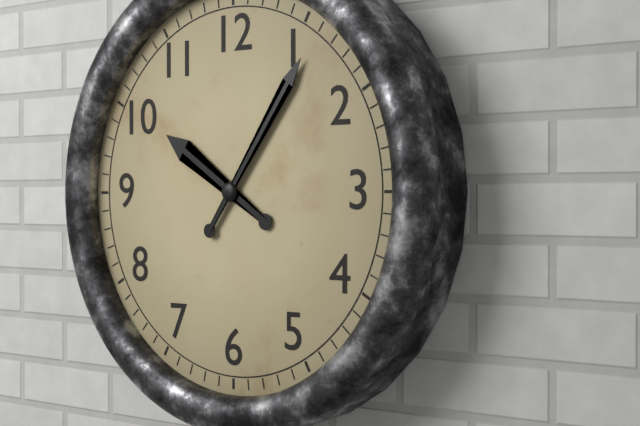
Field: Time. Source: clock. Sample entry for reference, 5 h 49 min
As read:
10 h 06 min
